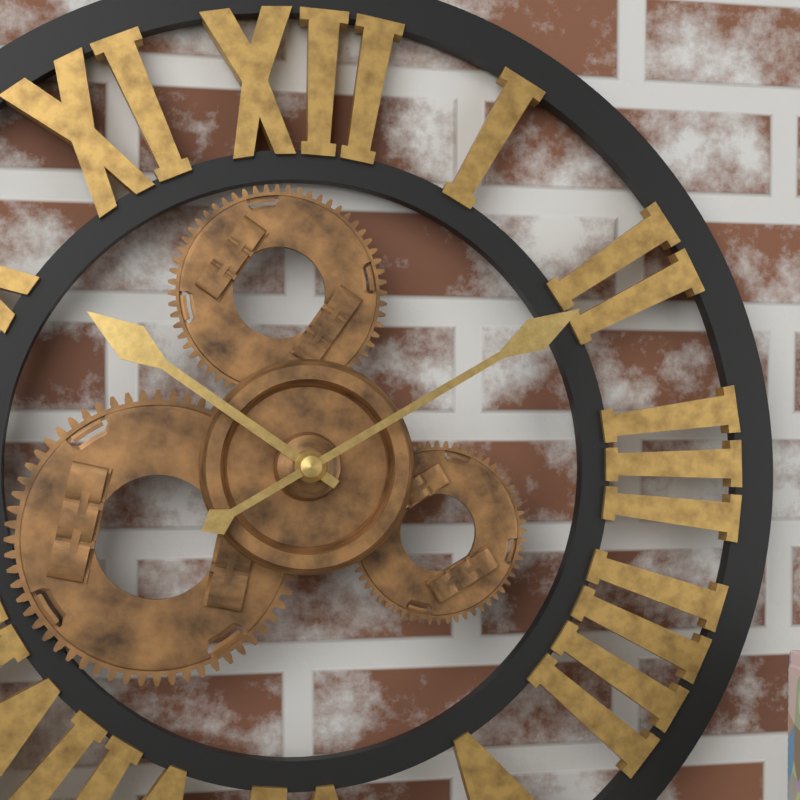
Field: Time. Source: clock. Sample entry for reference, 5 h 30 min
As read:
10 h 10 min
